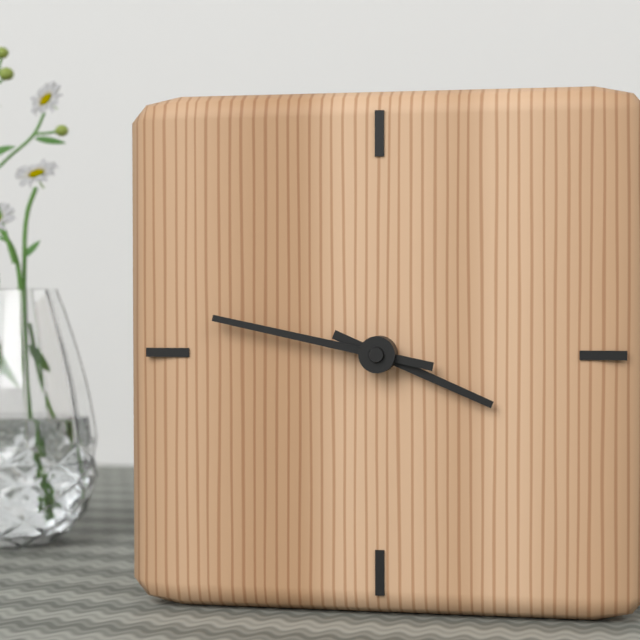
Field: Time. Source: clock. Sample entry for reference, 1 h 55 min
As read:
3 h 47 min
